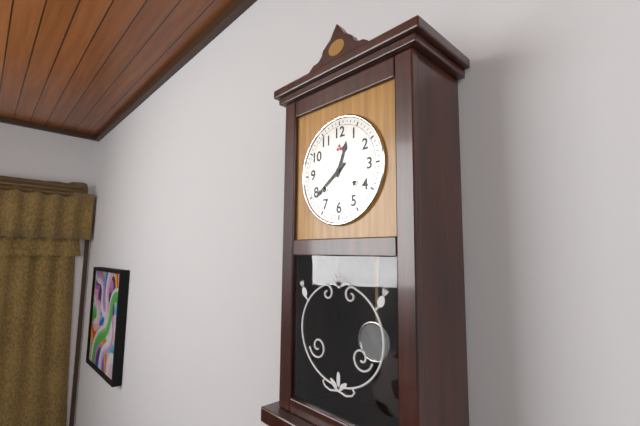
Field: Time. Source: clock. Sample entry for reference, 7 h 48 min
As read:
12 h 39 min
